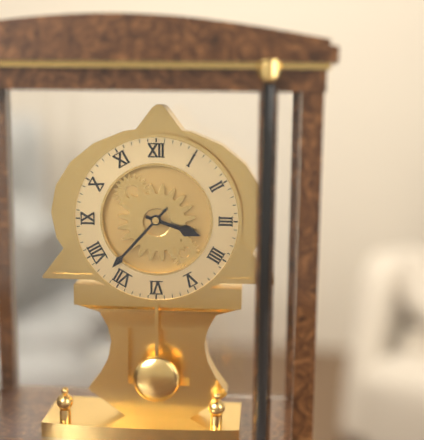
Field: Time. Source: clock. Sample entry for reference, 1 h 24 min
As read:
3 h 37 min
